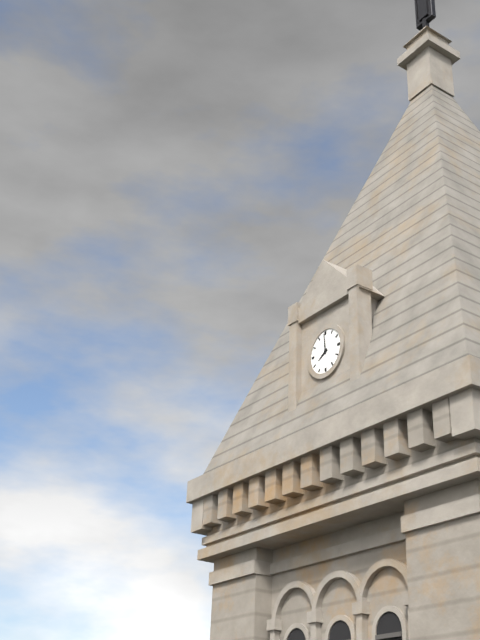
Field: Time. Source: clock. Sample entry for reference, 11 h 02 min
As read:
7 h 59 min
